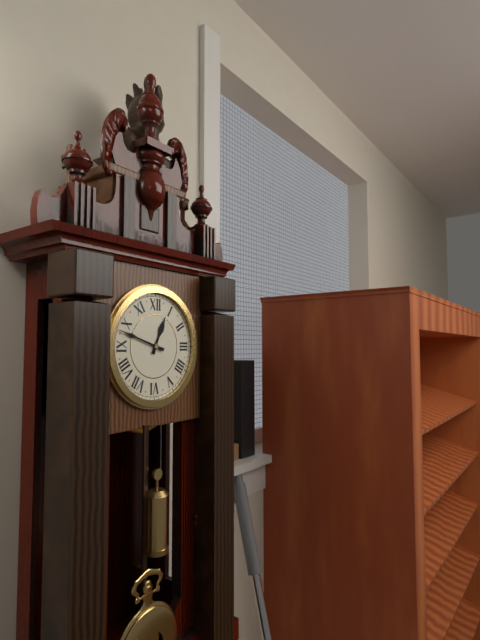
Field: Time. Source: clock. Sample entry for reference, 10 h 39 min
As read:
12 h 48 min
